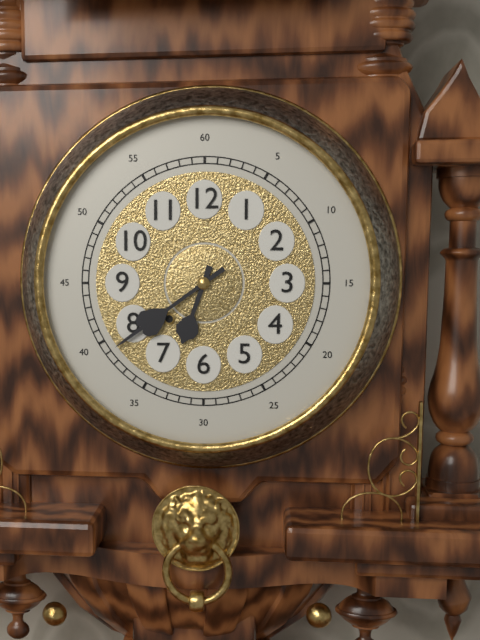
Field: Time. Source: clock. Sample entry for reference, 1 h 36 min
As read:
6 h 39 min
